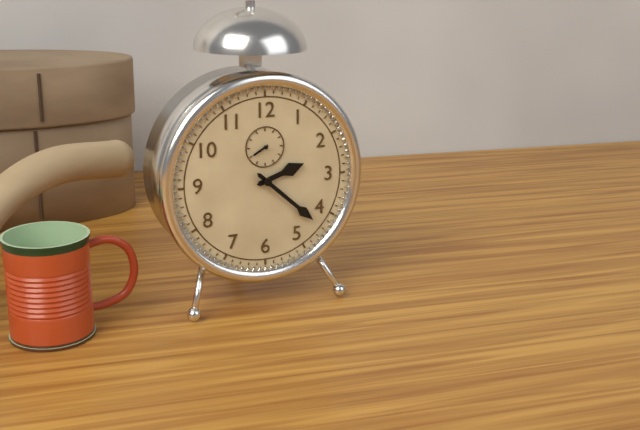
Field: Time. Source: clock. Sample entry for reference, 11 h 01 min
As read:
2 h 22 min
